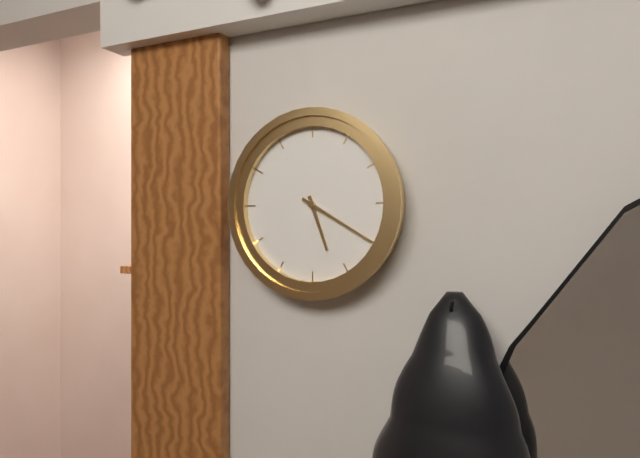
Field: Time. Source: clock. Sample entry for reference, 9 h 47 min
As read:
5 h 20 min
